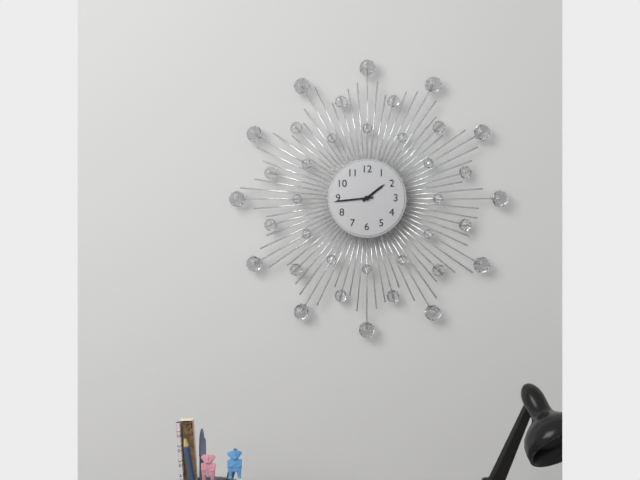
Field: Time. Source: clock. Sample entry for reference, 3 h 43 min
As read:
1 h 44 min
